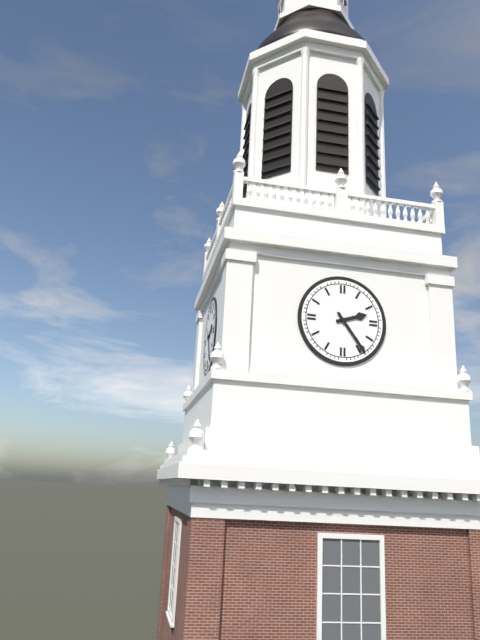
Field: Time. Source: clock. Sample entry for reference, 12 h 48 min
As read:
2 h 24 min
